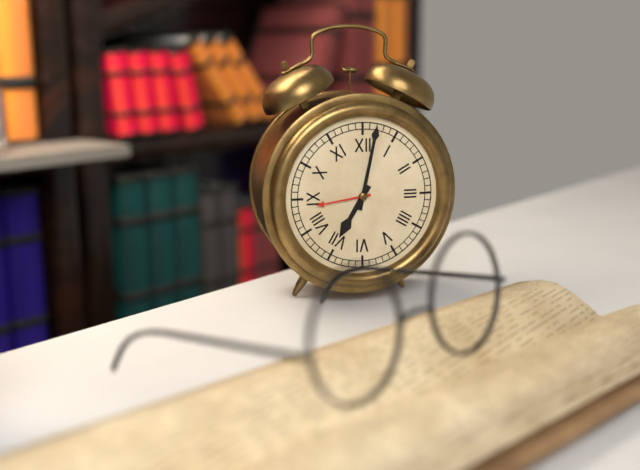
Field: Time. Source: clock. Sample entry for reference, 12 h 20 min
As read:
7 h 02 min
